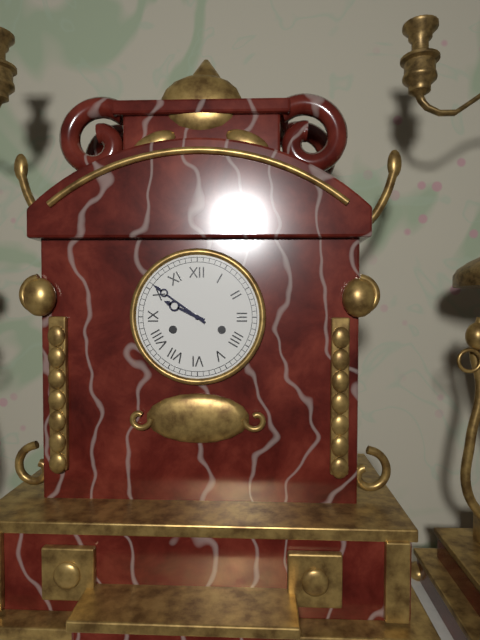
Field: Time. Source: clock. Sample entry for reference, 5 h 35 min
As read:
9 h 51 min
